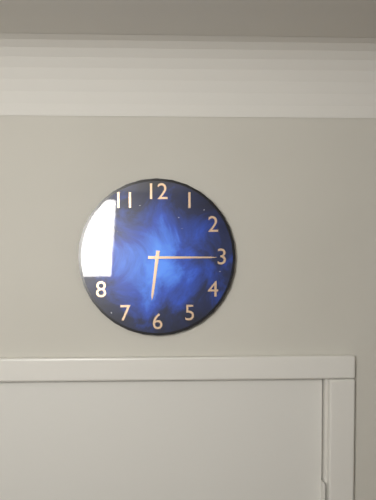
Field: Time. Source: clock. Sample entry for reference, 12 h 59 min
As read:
6 h 15 min
